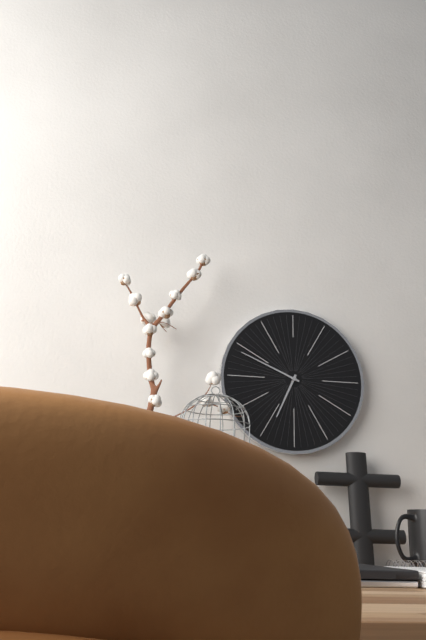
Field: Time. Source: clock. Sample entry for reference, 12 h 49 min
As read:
6 h 49 min
